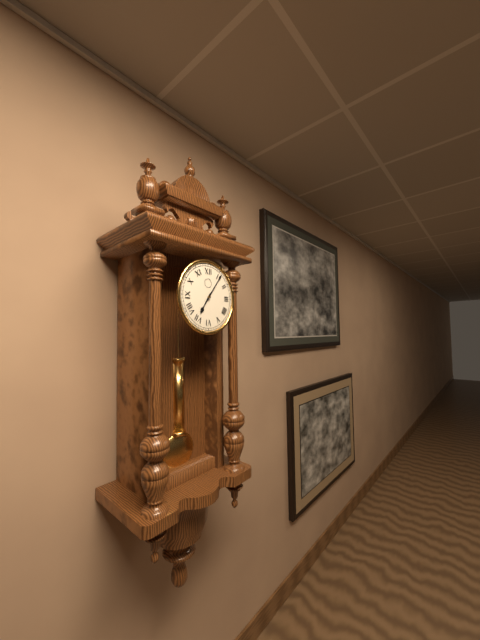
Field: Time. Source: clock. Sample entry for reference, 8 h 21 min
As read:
7 h 06 min
